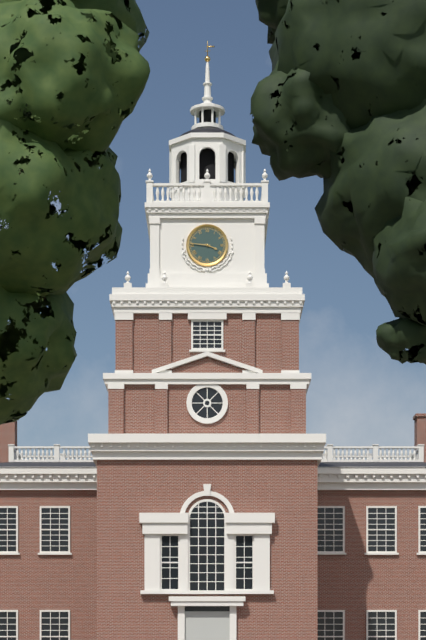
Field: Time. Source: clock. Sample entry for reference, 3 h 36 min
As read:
3 h 46 min
